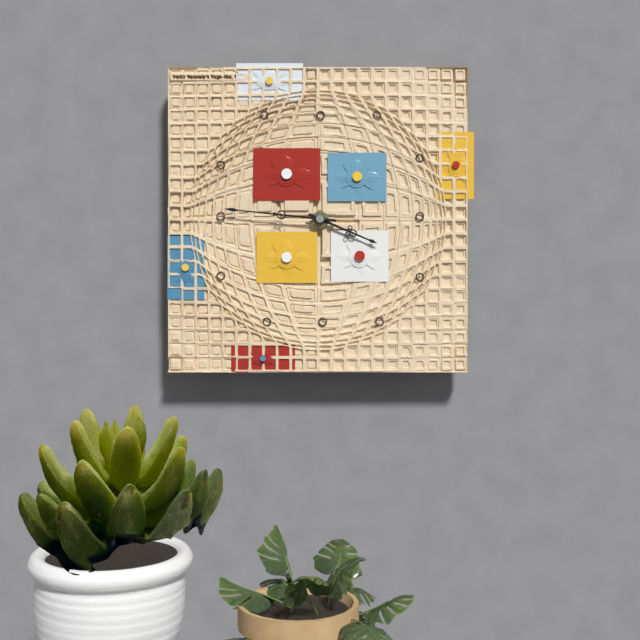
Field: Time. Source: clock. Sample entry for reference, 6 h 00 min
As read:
3 h 46 min
